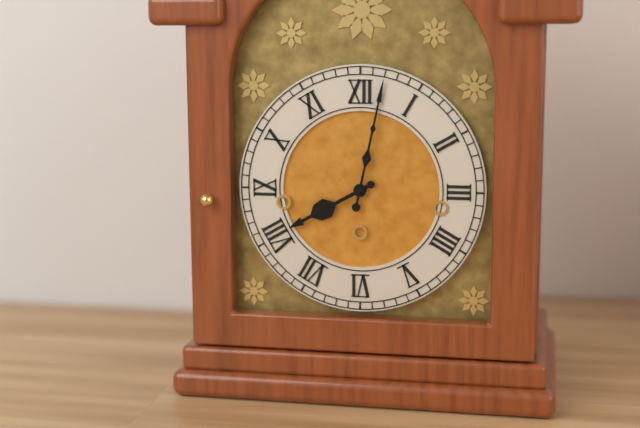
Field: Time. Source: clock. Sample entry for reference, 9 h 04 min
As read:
8 h 02 min
